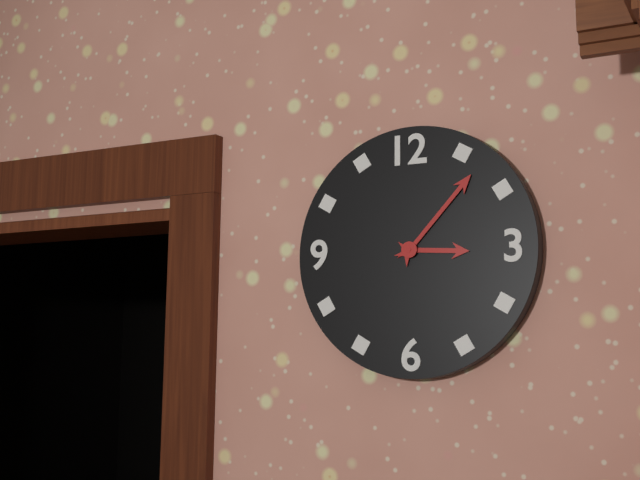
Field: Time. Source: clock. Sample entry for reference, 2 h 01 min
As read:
3 h 07 min
